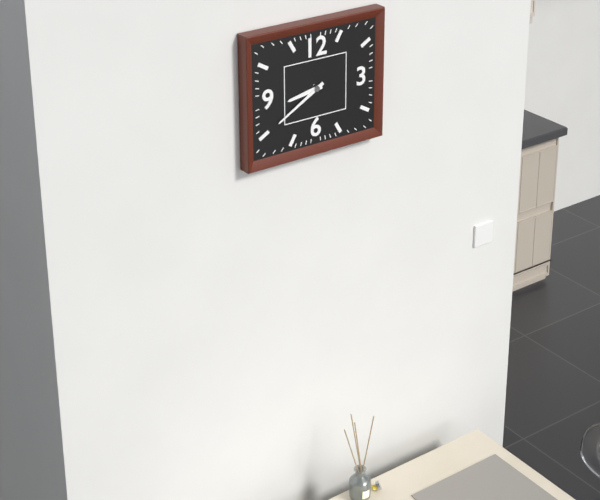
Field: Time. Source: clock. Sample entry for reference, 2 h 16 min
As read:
8 h 40 min
